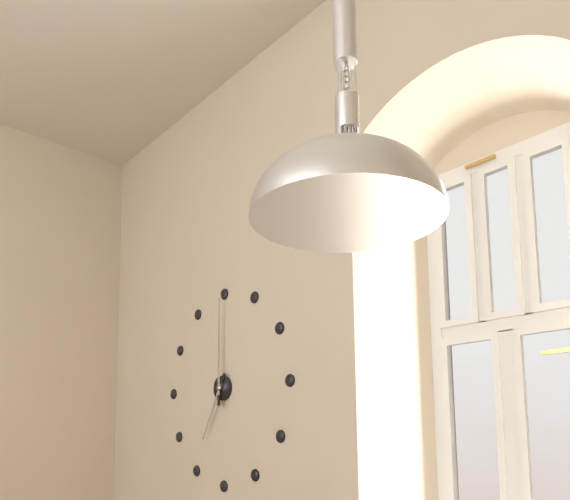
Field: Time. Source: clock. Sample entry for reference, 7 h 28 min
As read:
7 h 00 min
